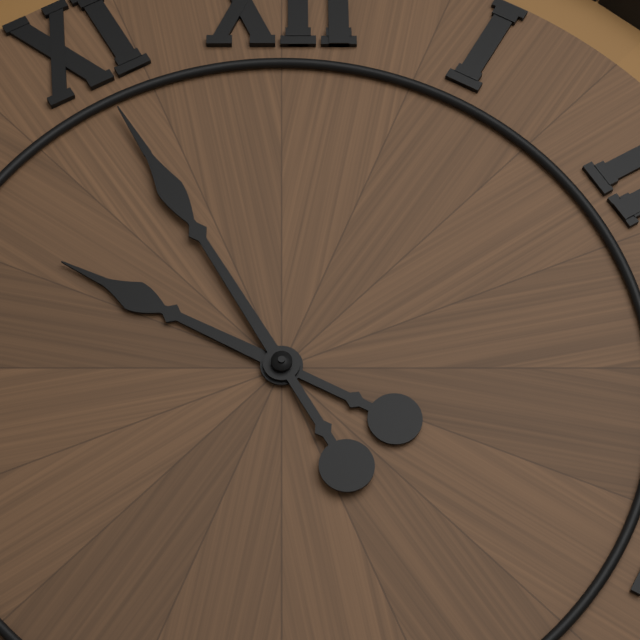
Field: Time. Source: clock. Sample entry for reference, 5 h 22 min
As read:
9 h 55 min
